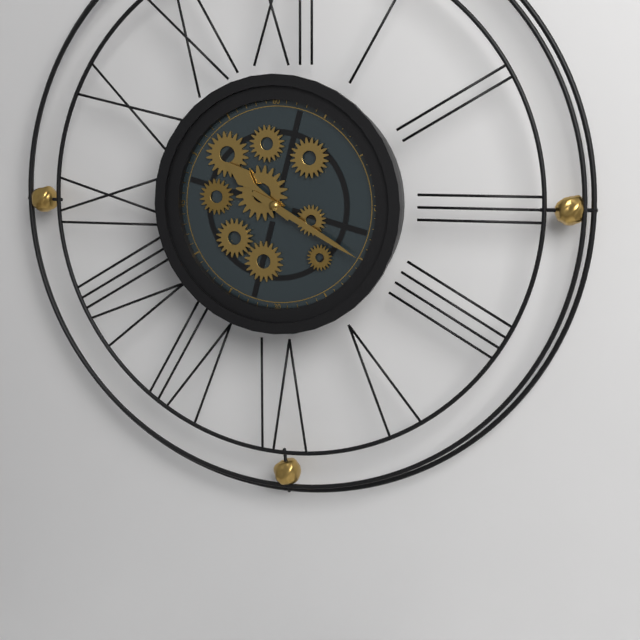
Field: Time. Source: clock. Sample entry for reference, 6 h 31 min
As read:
10 h 20 min
